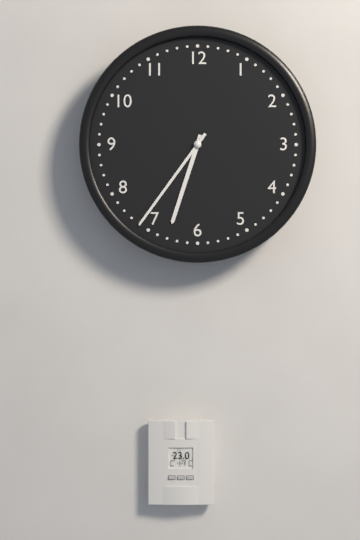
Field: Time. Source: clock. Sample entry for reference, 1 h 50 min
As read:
6 h 36 min
